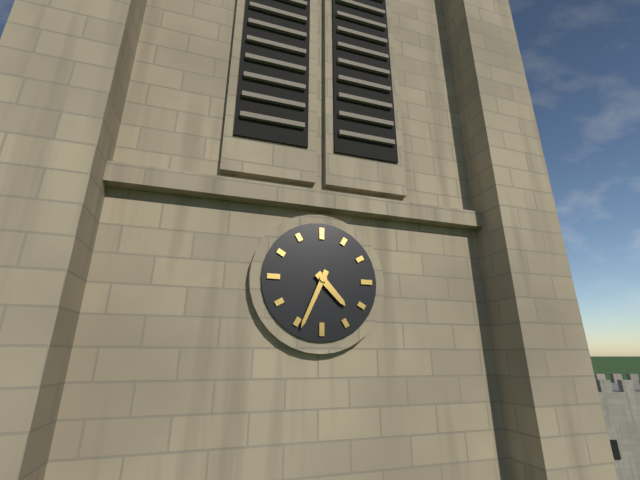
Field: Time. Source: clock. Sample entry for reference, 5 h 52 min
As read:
4 h 34 min
